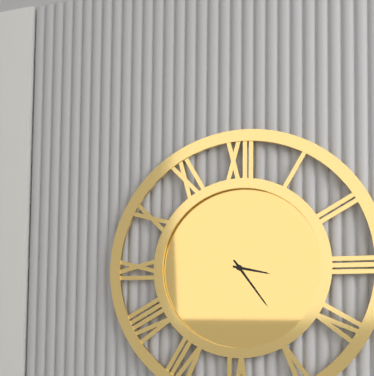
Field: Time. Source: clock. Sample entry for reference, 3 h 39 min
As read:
3 h 24 min
